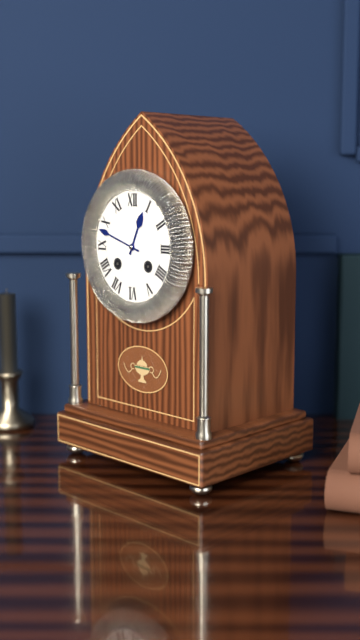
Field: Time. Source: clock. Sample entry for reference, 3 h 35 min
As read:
12 h 48 min
